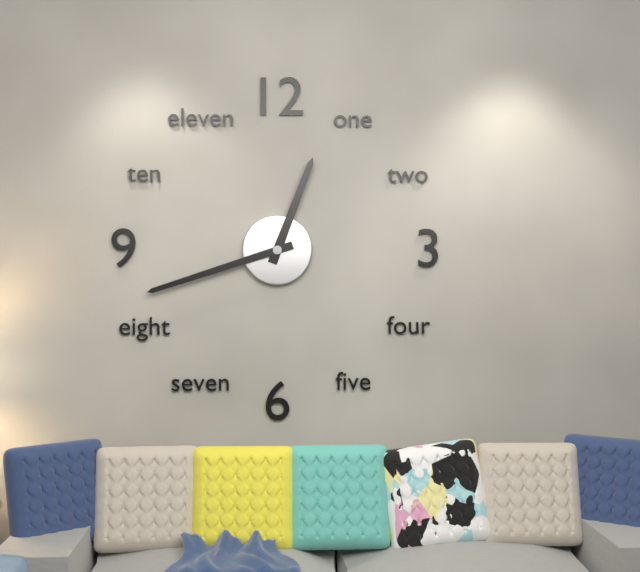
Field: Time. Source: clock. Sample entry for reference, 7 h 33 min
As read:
12 h 42 min
